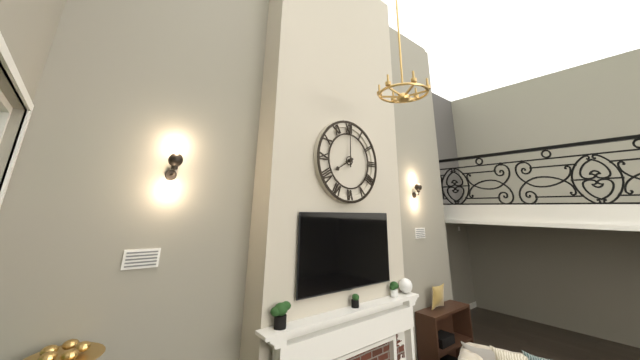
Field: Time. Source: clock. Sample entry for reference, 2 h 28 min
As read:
8 h 00 min
